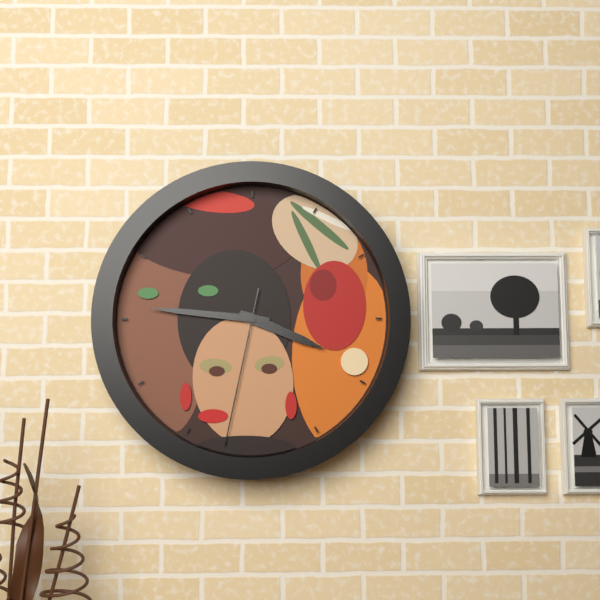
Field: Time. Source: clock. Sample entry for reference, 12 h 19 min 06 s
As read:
3 h 46 min 32 s
